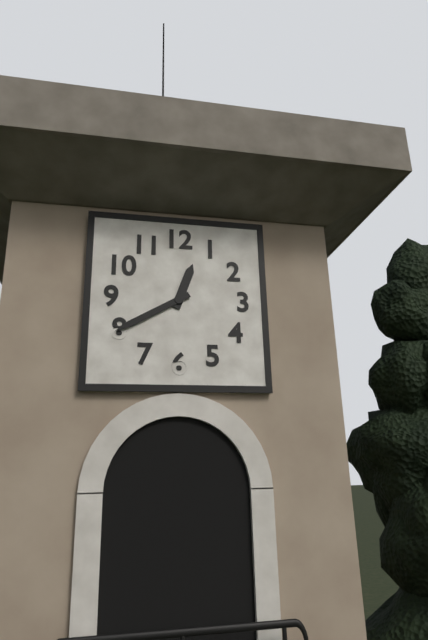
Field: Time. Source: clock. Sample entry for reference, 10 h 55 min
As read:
12 h 40 min
